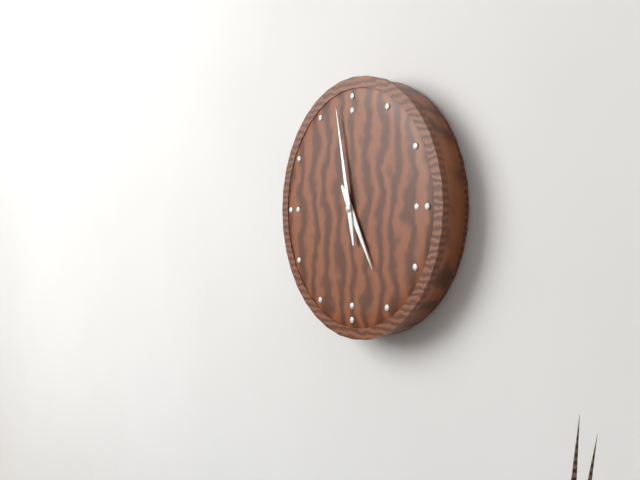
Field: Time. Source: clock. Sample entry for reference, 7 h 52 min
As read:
4 h 58 min
